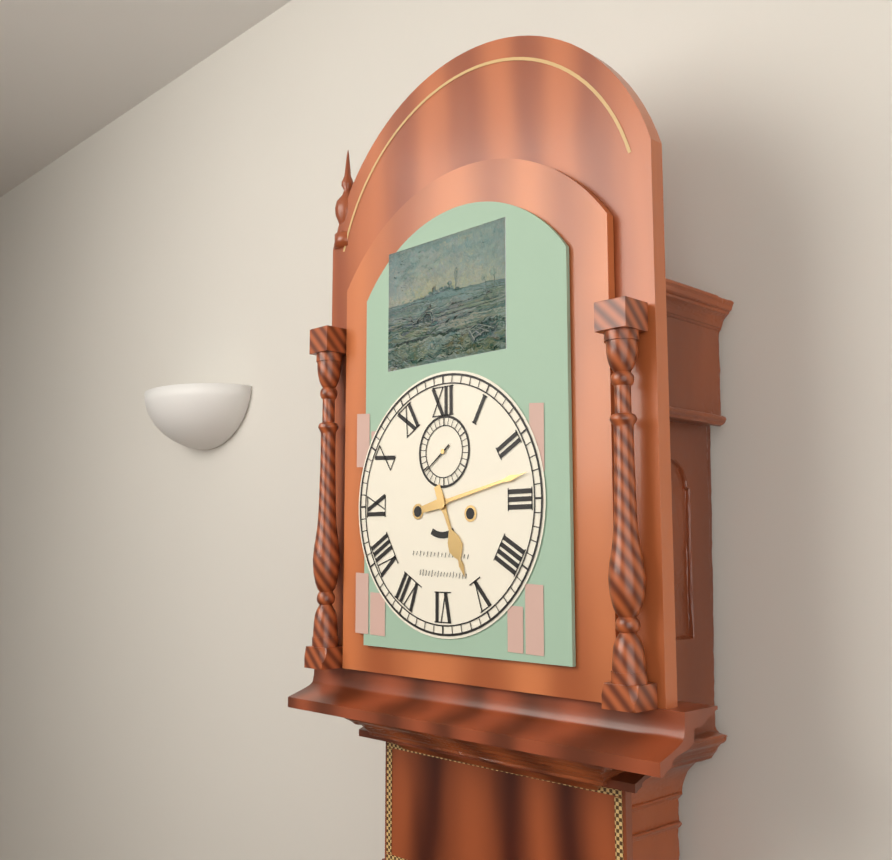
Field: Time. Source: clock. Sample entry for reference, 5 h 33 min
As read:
5 h 13 min
